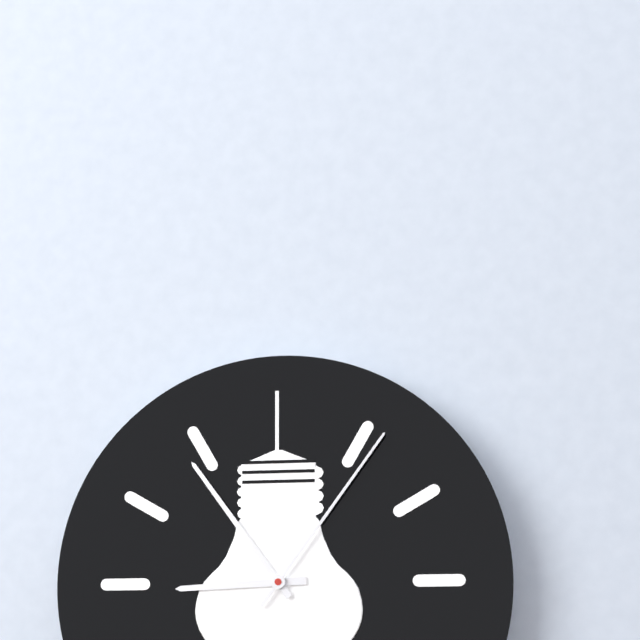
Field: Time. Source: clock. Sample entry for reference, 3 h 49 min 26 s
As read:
8 h 54 min 06 s
